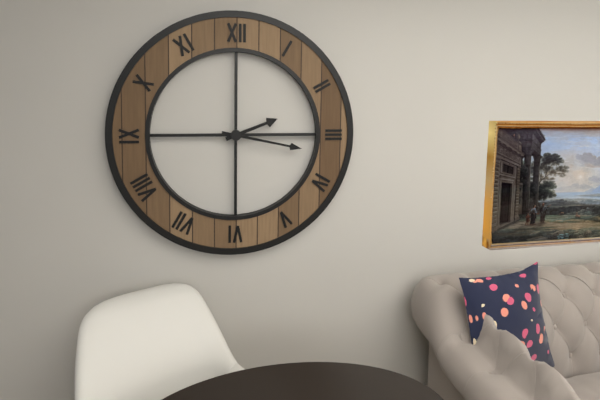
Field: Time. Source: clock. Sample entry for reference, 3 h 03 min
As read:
2 h 17 min
